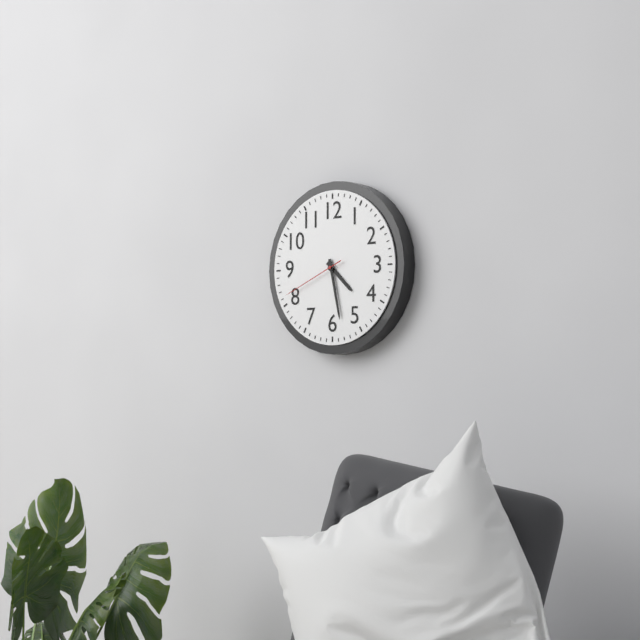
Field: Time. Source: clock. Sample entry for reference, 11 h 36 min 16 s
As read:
4 h 28 min 41 s
